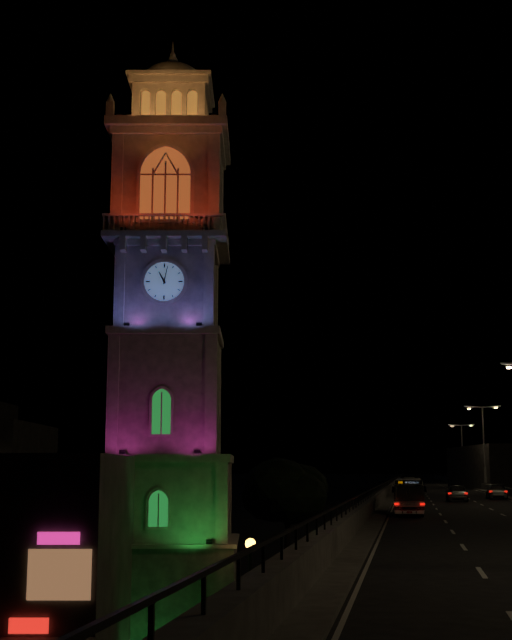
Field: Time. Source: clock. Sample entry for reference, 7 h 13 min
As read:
11 h 02 min
